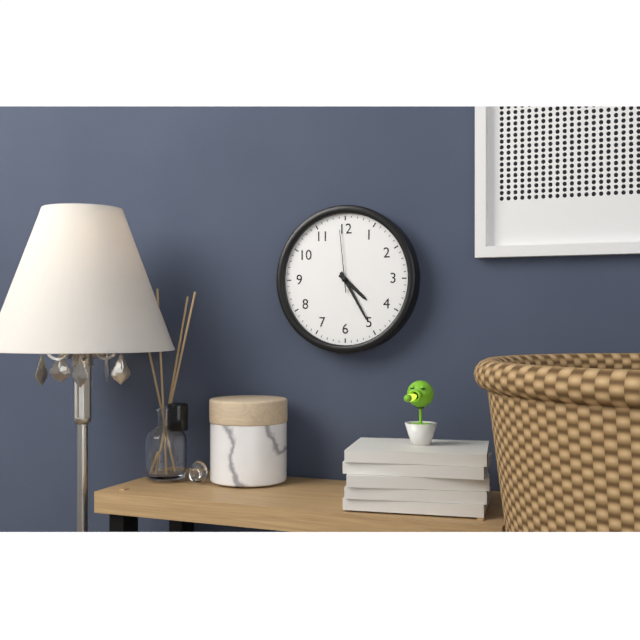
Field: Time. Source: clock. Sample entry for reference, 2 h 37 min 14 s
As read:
4 h 25 min 59 s
